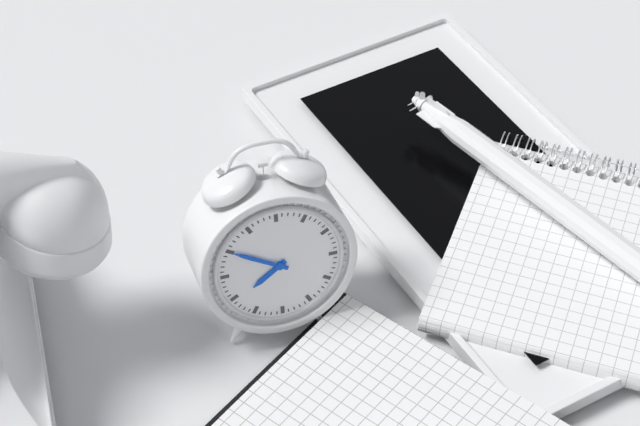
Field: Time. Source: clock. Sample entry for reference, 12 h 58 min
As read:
7 h 50 min
